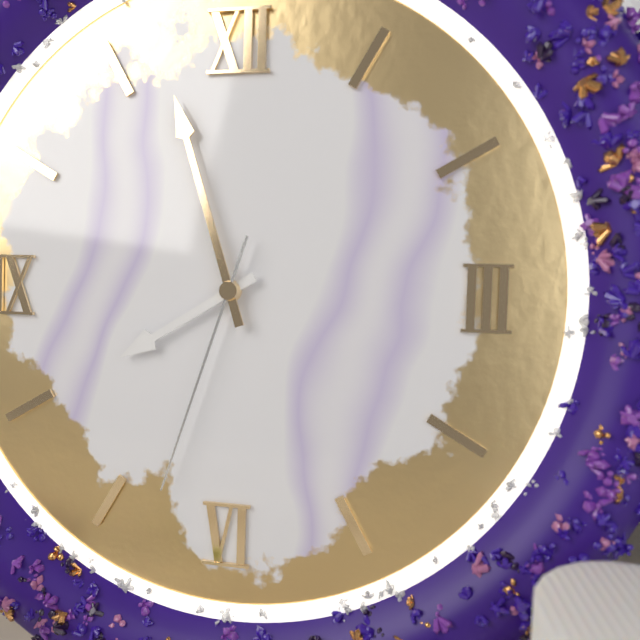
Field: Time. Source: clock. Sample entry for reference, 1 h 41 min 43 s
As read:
7 h 57 min 33 s
